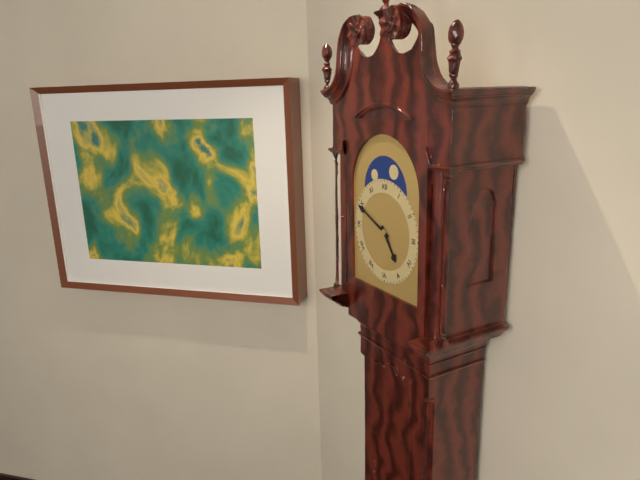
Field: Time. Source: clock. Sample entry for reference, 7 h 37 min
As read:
4 h 49 min
